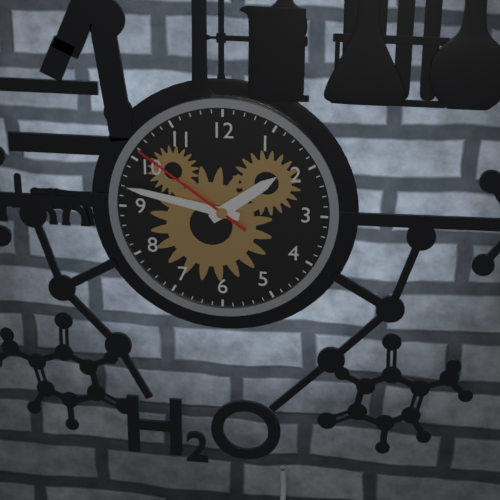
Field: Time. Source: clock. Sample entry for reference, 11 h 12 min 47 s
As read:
1 h 47 min 51 s
